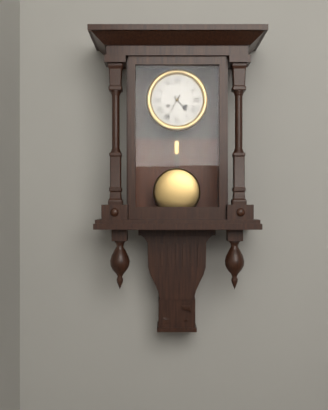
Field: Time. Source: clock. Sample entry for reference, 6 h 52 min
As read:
4 h 35 min
